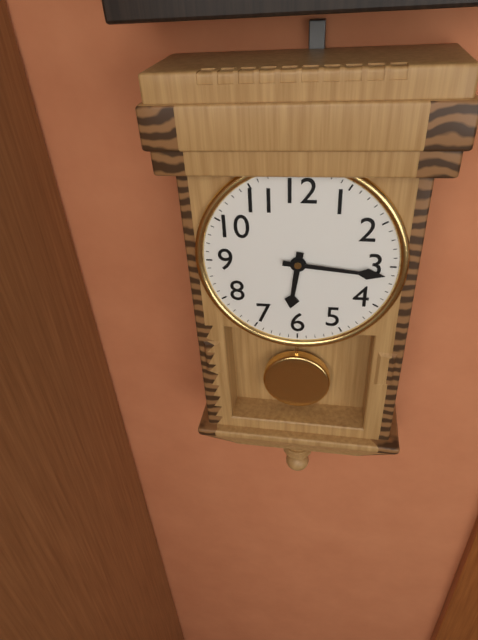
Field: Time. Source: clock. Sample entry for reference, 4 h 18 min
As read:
6 h 16 min
